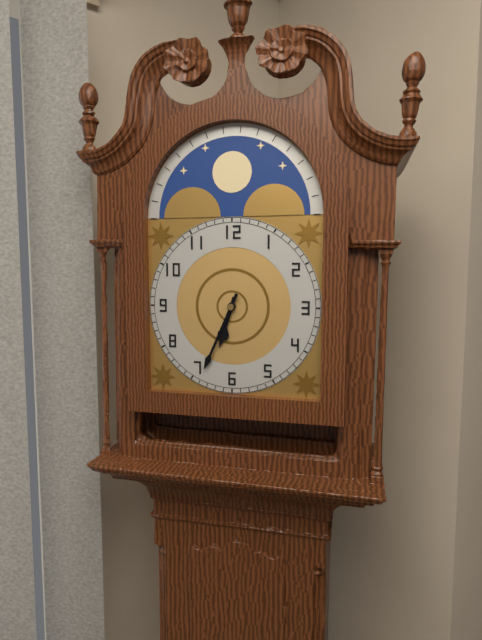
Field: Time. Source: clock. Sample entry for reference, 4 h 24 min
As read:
6 h 34 min
